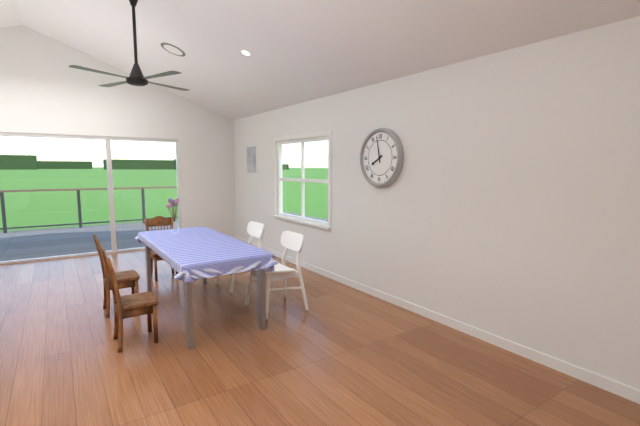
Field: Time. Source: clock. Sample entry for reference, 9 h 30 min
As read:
7 h 58 min
